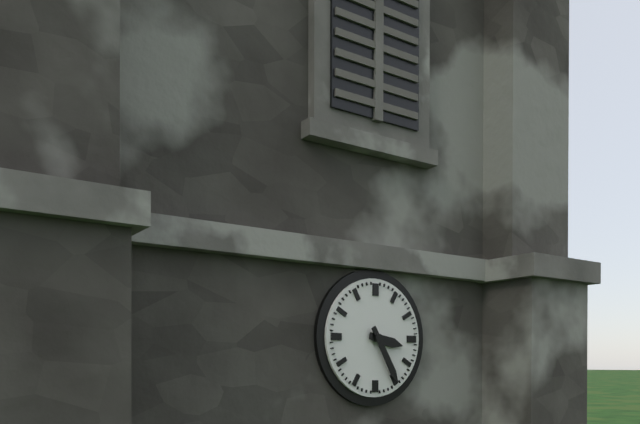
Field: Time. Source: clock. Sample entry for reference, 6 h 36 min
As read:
3 h 25 min
